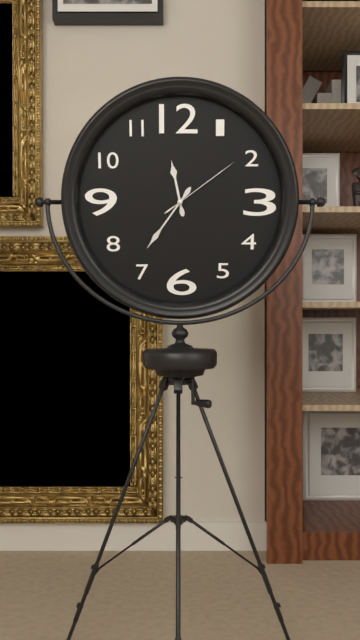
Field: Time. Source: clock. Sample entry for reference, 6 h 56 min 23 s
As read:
11 h 36 min 09 s
